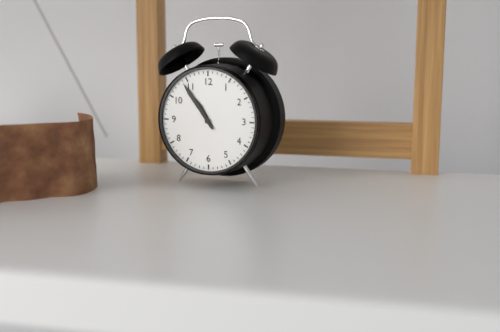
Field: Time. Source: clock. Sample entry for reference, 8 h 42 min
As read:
10 h 54 min
